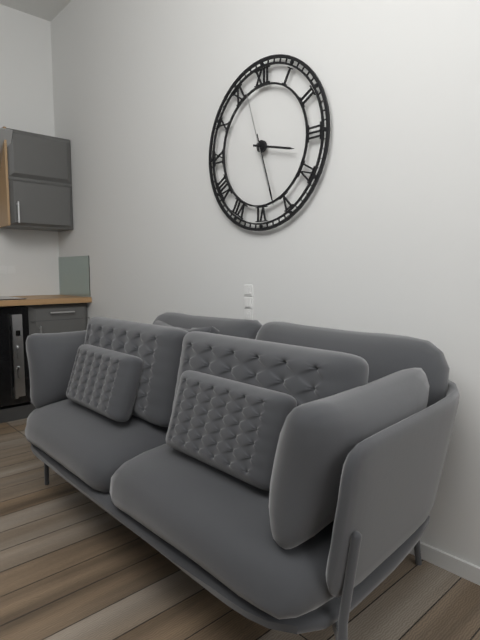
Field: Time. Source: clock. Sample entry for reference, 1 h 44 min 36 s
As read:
3 h 27 min 57 s
